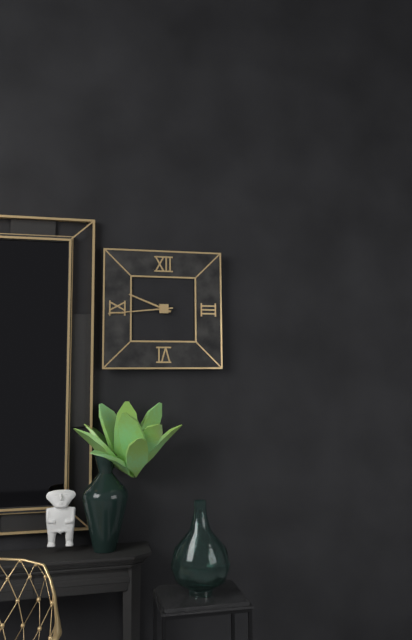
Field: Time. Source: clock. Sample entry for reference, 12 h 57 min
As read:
9 h 44 min
